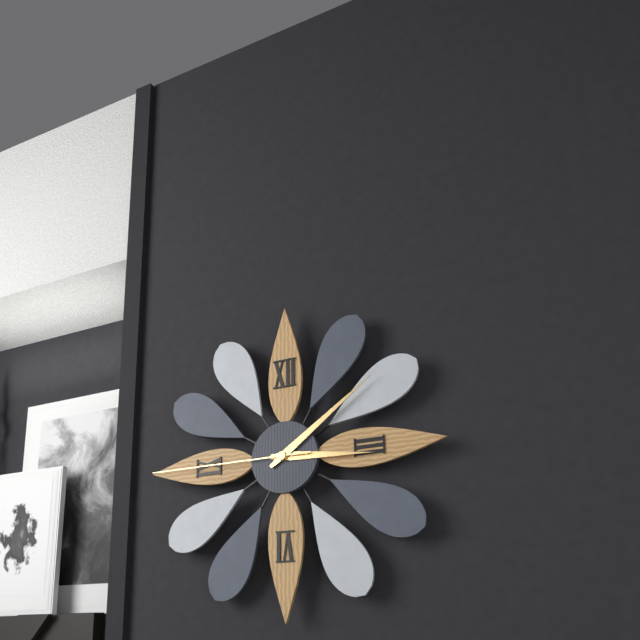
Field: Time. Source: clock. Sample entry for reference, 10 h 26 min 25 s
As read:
3 h 09 min 45 s
